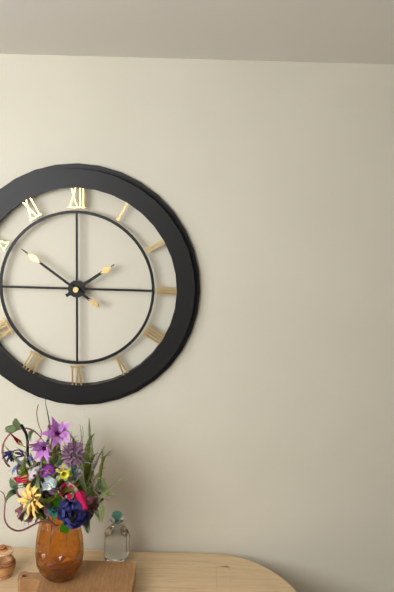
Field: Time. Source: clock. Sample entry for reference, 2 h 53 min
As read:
1 h 51 min
